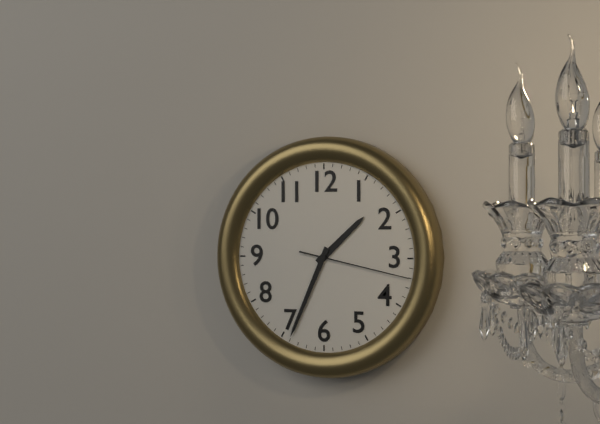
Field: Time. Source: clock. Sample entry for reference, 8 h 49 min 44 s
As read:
1 h 34 min 17 s
